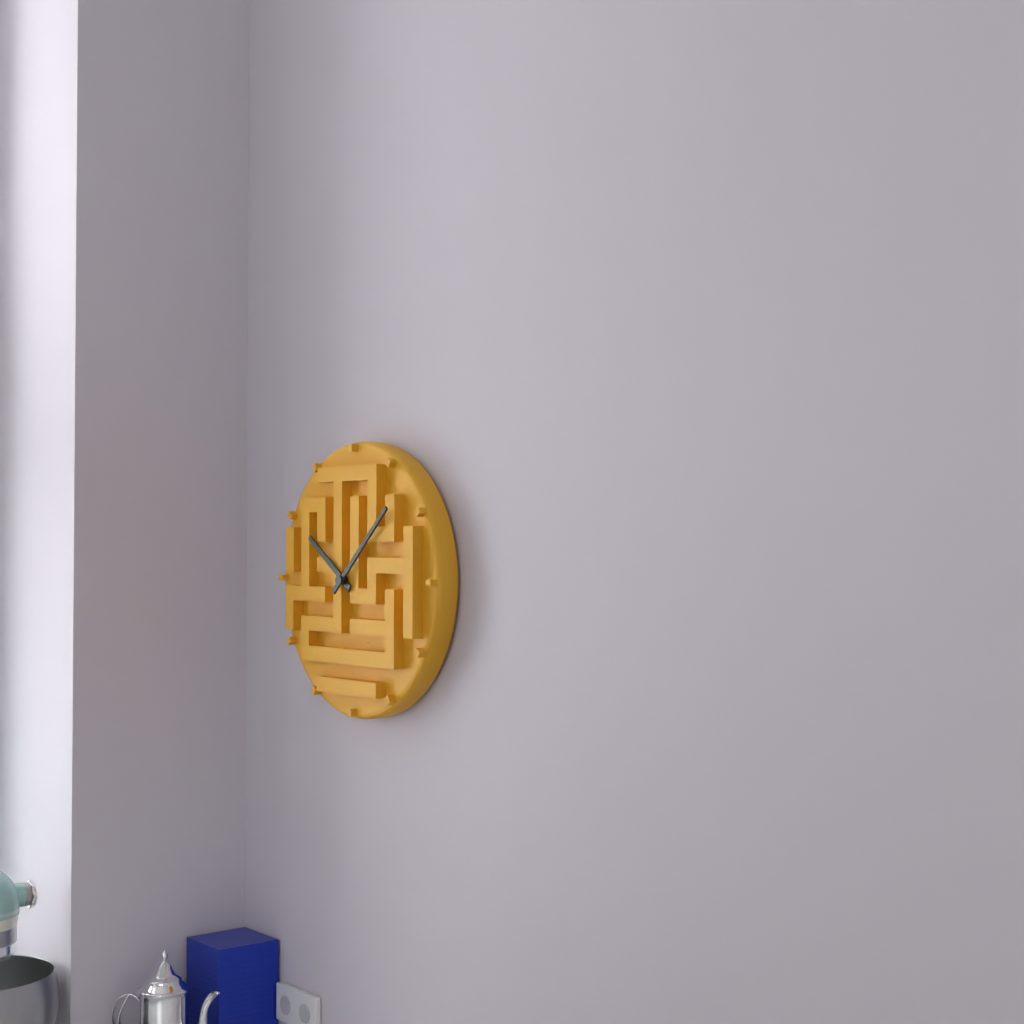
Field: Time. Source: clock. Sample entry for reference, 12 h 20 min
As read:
10 h 08 min
